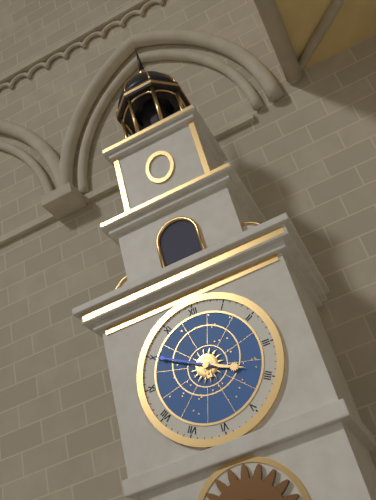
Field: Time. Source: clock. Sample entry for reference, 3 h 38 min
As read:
3 h 50 min
